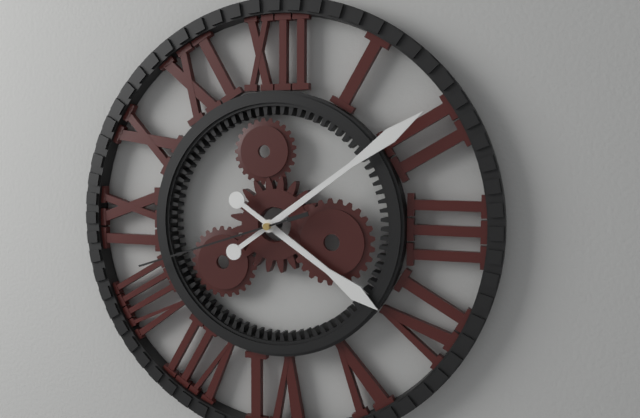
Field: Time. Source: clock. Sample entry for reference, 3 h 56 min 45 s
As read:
4 h 09 min 42 s
